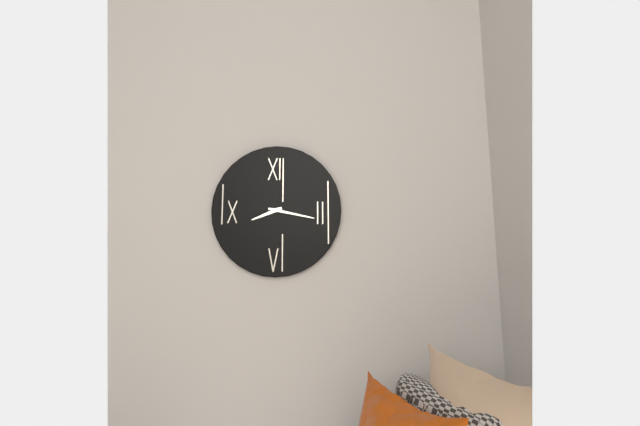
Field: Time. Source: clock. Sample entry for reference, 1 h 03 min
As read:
8 h 17 min
